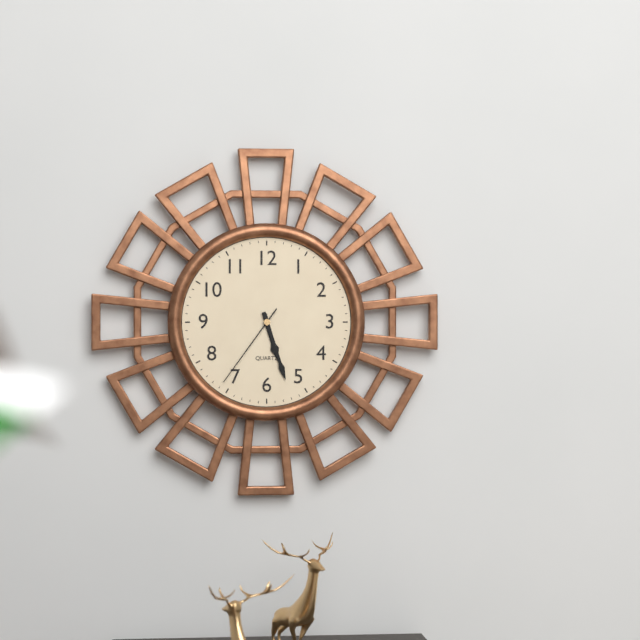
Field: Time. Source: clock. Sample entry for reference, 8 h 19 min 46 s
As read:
5 h 27 min 36 s
